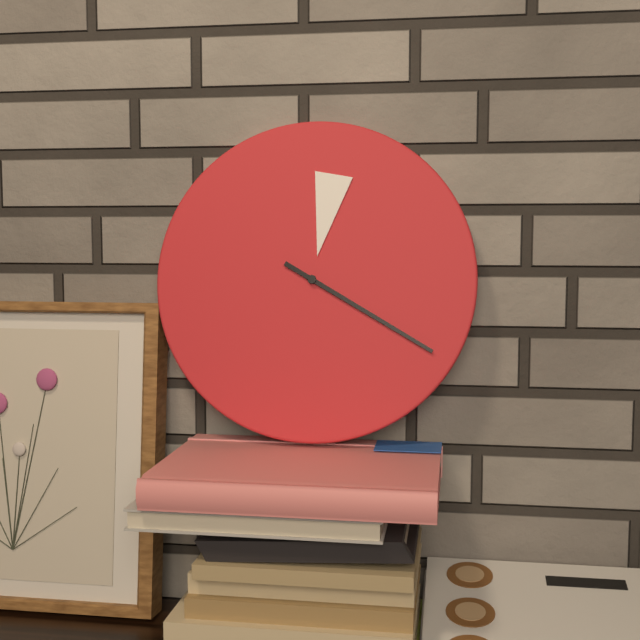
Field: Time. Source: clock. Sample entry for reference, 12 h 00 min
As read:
12 h 20 min
